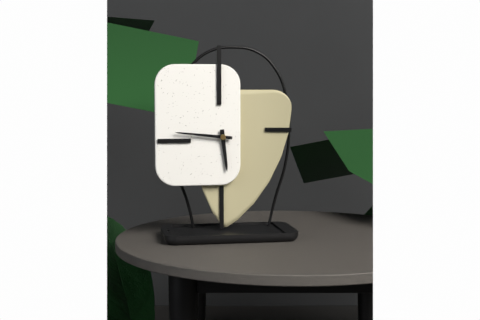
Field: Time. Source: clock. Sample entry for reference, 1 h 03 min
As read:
5 h 46 min
